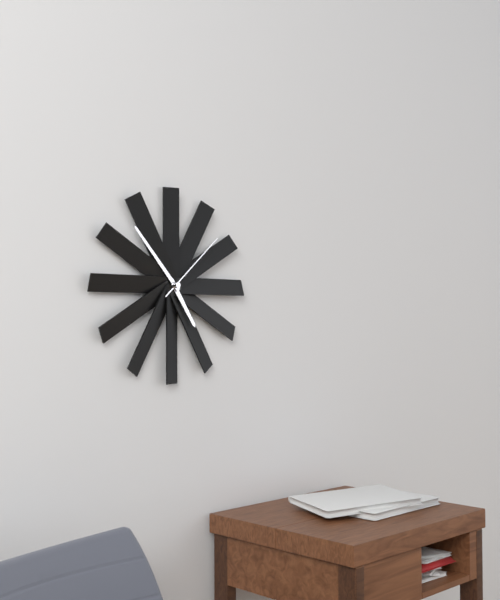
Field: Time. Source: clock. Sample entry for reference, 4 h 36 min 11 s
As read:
4 h 53 min 08 s
